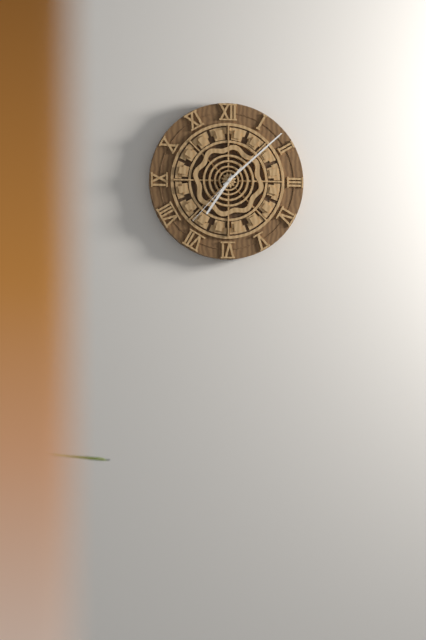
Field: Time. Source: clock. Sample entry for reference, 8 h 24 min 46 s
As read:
7 h 08 min 37 s
